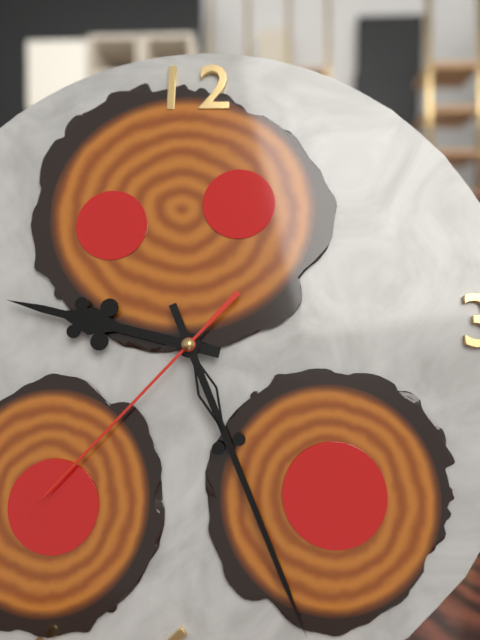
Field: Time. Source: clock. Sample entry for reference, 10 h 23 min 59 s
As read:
9 h 26 min 37 s
